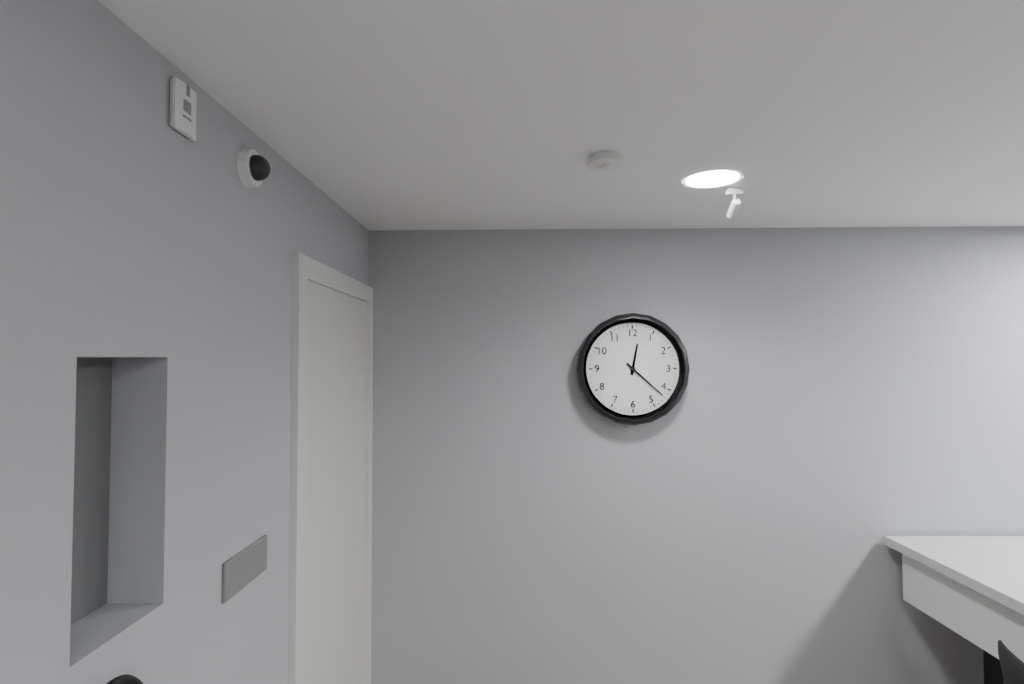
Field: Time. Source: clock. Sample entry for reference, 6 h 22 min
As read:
12 h 22 min
